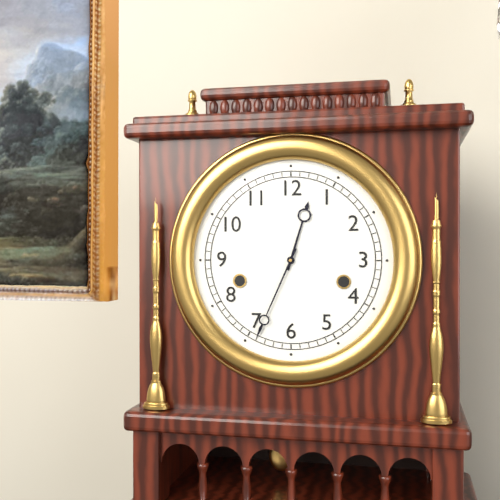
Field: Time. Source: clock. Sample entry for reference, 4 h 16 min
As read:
12 h 34 min
